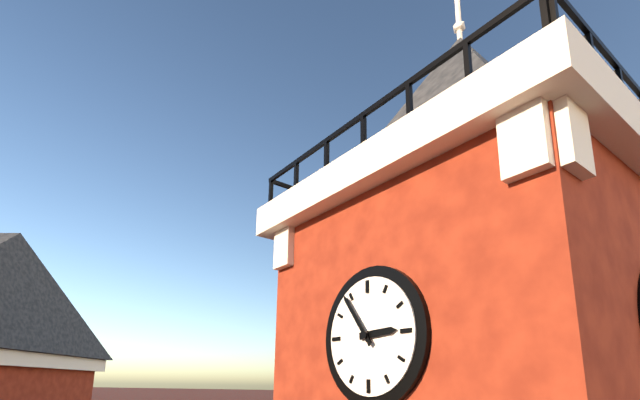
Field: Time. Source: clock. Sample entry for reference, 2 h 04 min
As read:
2 h 54 min
